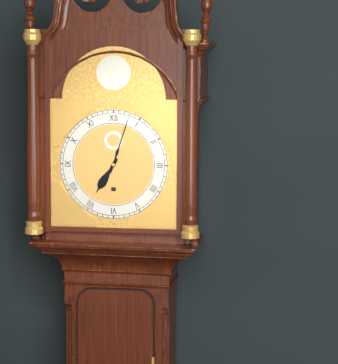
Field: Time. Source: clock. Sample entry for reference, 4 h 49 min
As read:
7 h 03 min
